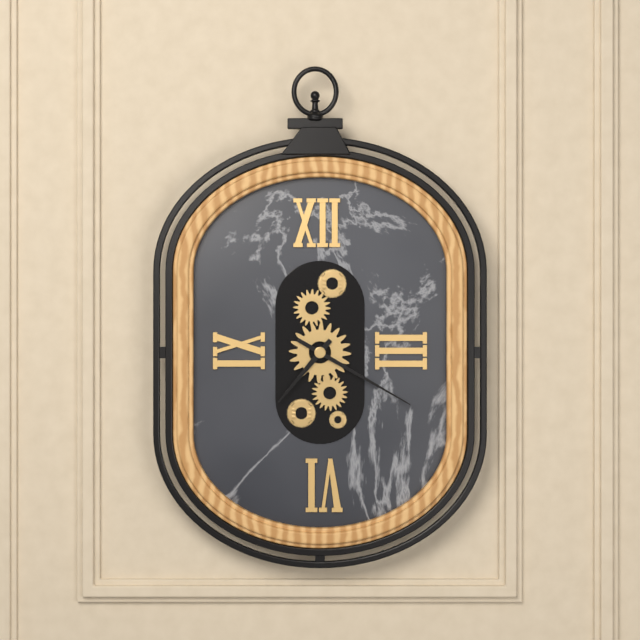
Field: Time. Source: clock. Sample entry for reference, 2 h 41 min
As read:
7 h 20 min
